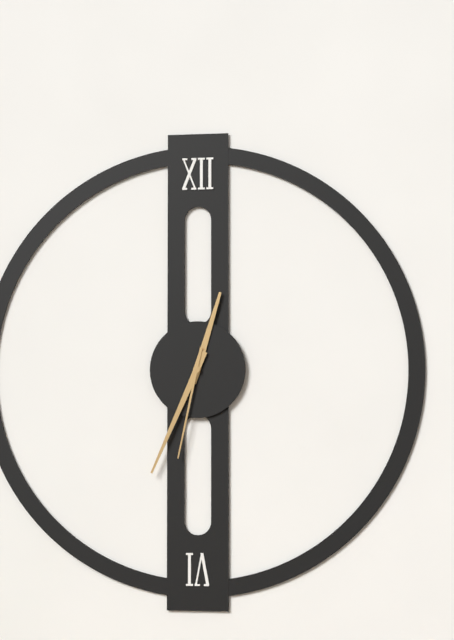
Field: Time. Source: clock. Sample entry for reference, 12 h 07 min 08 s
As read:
12 h 34 min 32 s
